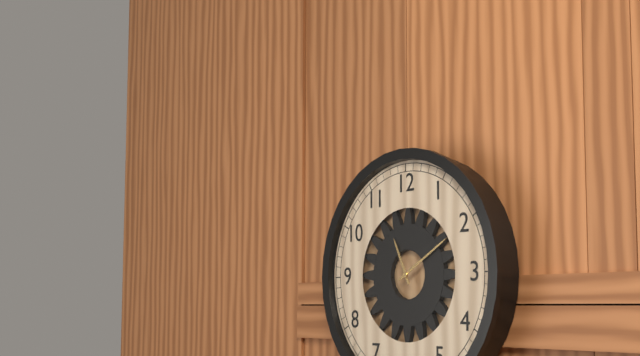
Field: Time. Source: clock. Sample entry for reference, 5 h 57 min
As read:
11 h 10 min
